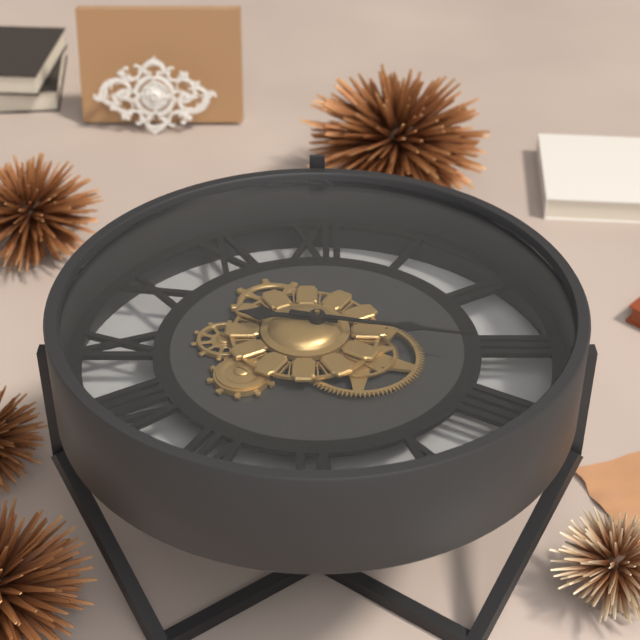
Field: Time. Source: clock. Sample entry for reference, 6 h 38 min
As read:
9 h 17 min
